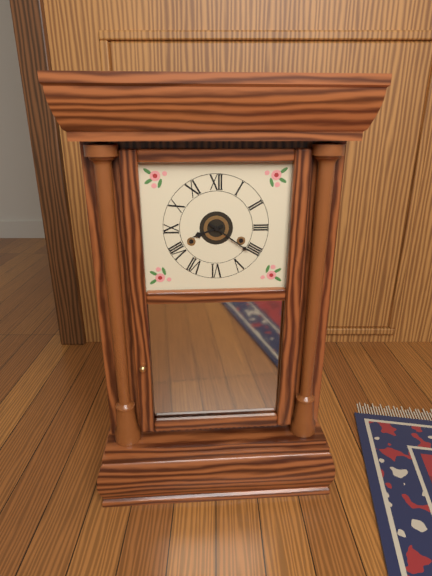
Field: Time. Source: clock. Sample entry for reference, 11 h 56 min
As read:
8 h 21 min
